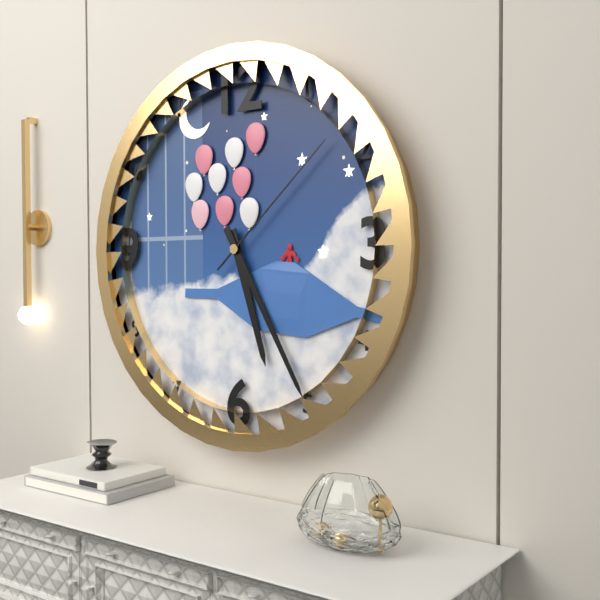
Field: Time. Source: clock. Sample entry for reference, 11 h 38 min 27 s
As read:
5 h 25 min 08 s
